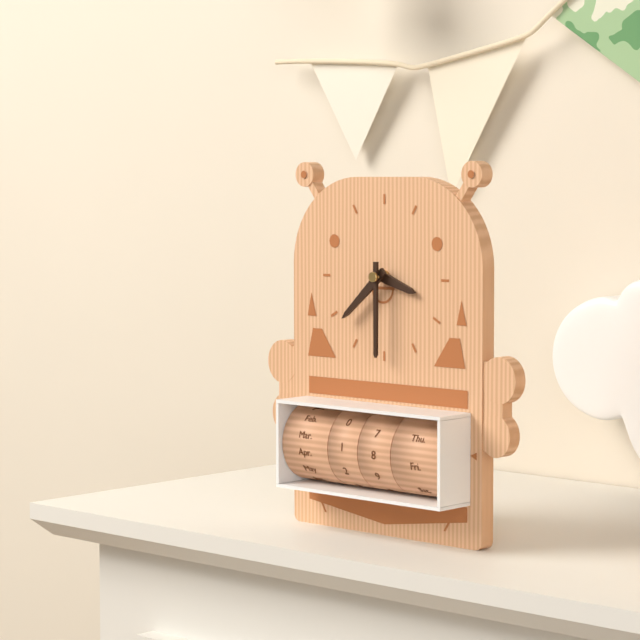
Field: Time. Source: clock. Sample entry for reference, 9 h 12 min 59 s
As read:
3 h 38 min 30 s
